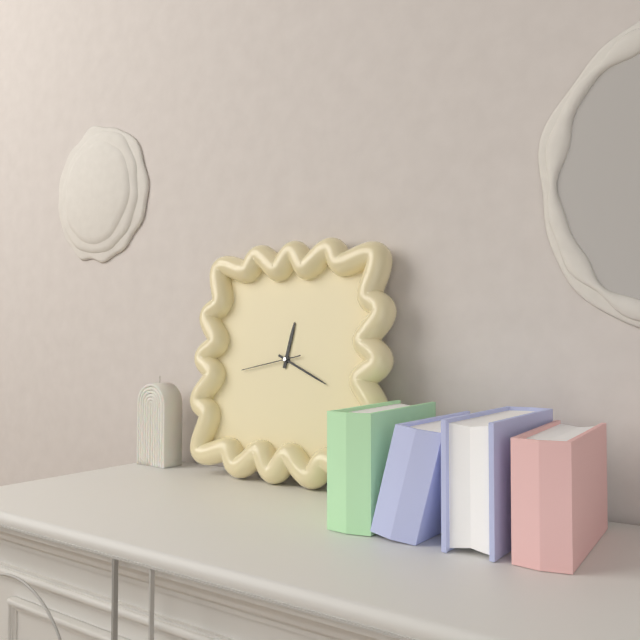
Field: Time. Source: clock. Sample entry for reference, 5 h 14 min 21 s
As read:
12 h 19 min 43 s
